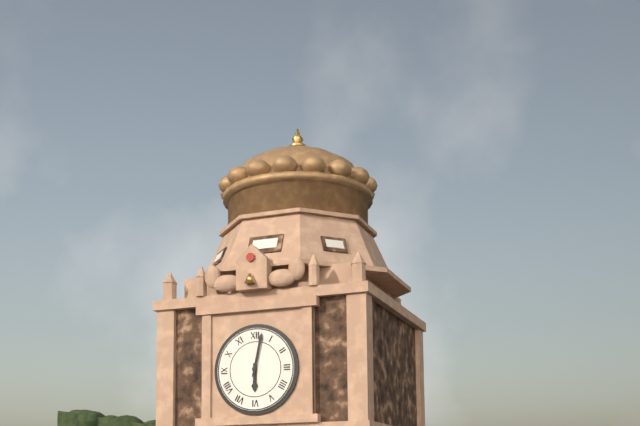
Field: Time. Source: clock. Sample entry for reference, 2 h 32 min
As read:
6 h 02 min
